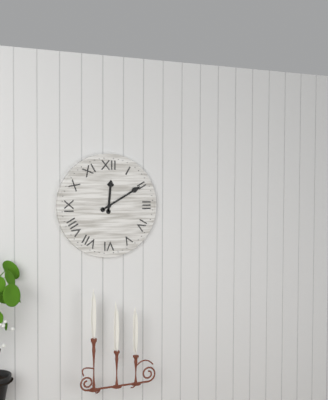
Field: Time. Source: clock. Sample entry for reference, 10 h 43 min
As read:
12 h 10 min
